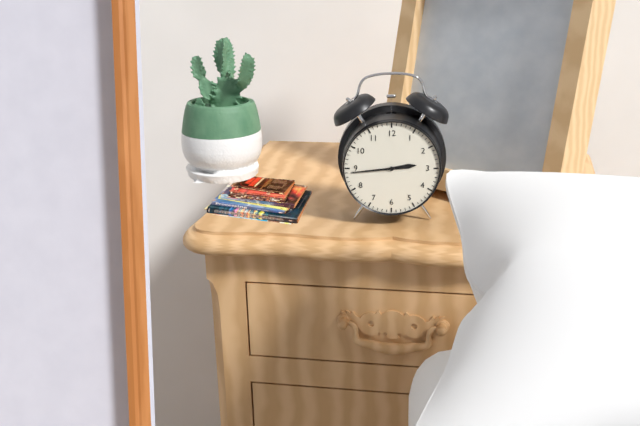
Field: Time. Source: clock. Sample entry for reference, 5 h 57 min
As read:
2 h 44 min
